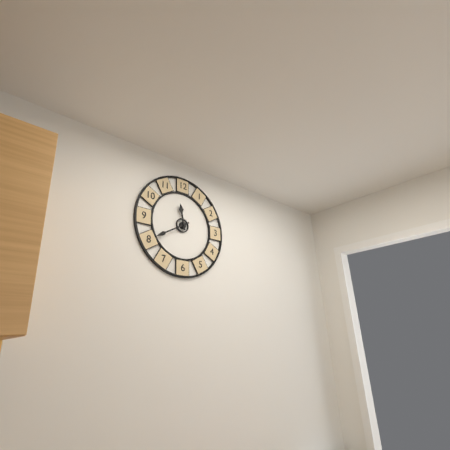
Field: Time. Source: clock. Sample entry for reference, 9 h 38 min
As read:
11 h 40 min
